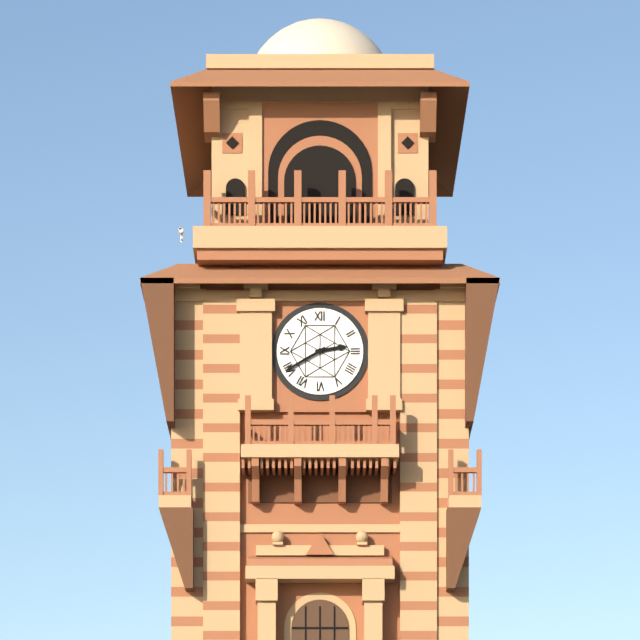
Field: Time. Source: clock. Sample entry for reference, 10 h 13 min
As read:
2 h 40 min
